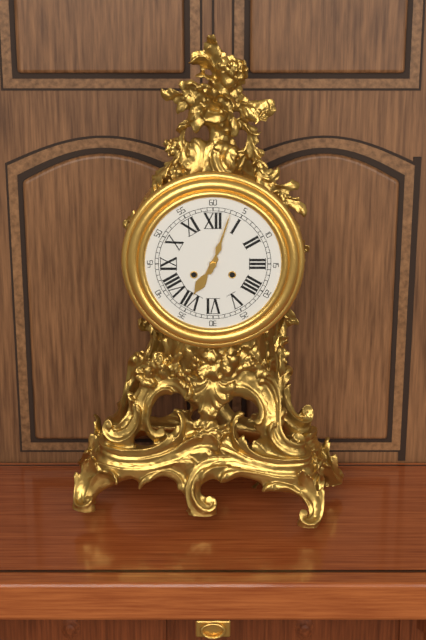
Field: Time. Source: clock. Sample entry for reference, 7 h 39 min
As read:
7 h 03 min
